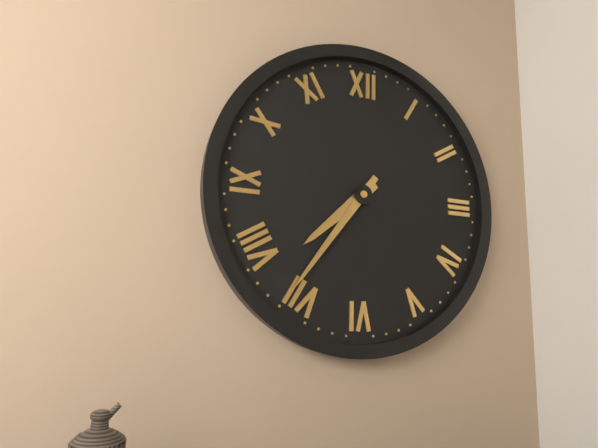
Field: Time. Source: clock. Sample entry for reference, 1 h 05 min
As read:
7 h 36 min
